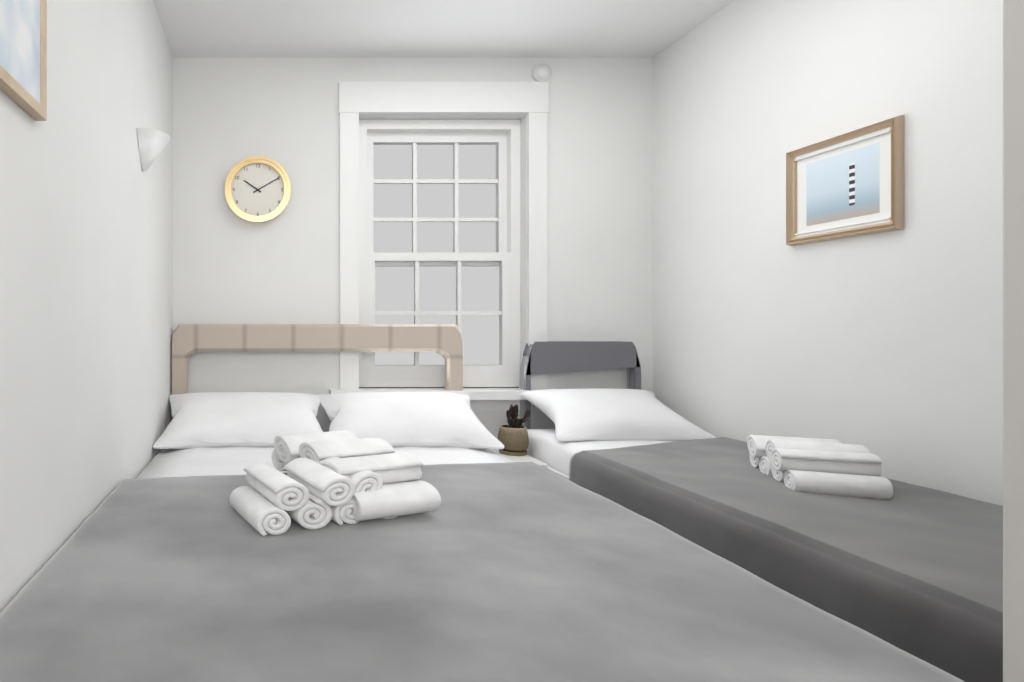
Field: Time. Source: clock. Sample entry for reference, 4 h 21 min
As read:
10 h 10 min
